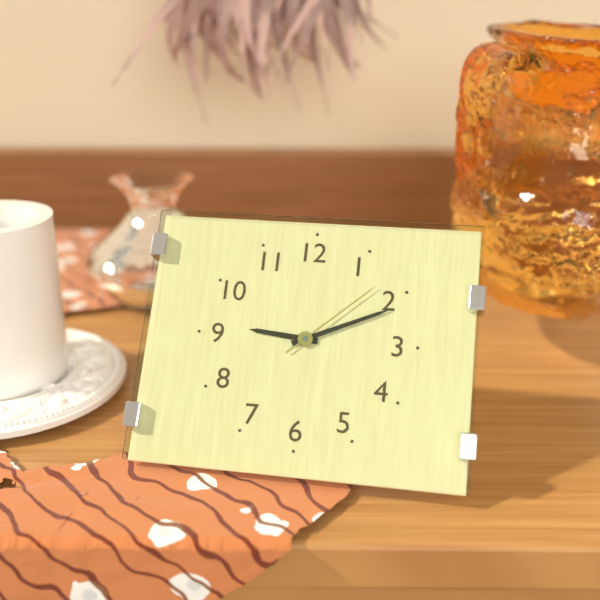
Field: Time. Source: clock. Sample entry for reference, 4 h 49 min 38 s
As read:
9 h 11 min 08 s
